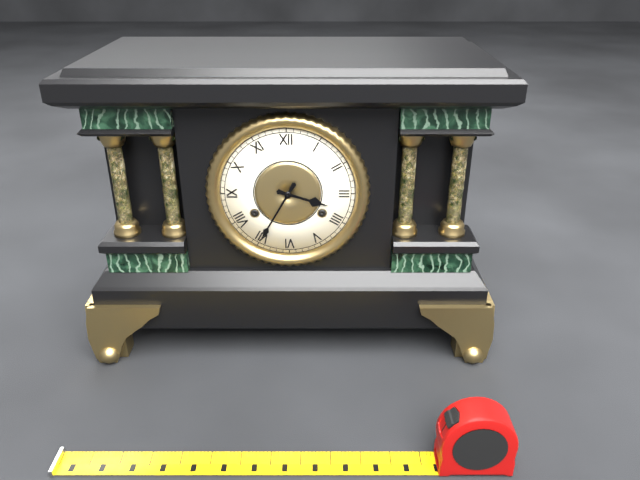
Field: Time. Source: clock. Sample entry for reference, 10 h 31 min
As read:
3 h 35 min
